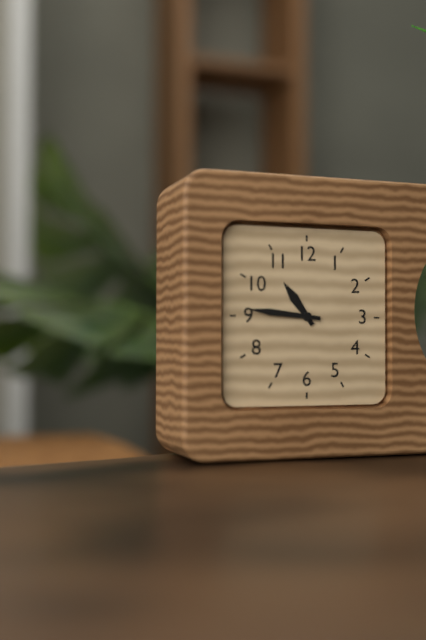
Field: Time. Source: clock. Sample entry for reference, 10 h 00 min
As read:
10 h 46 min
